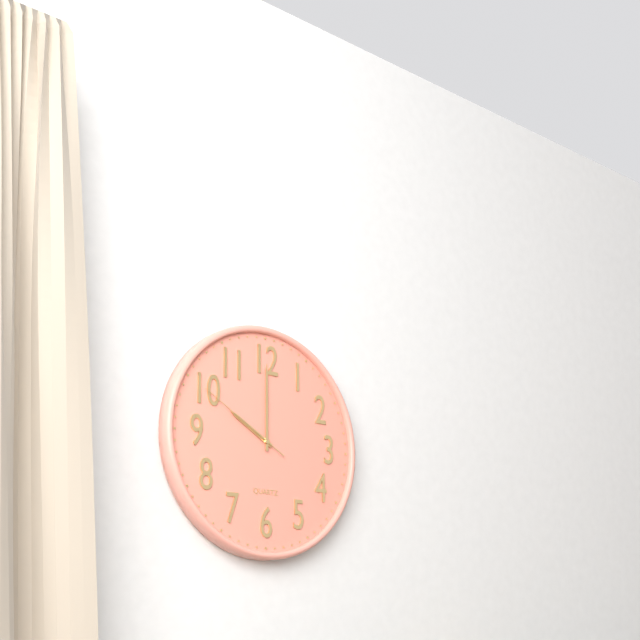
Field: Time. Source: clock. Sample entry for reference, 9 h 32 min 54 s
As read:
10 h 00 min 50 s
